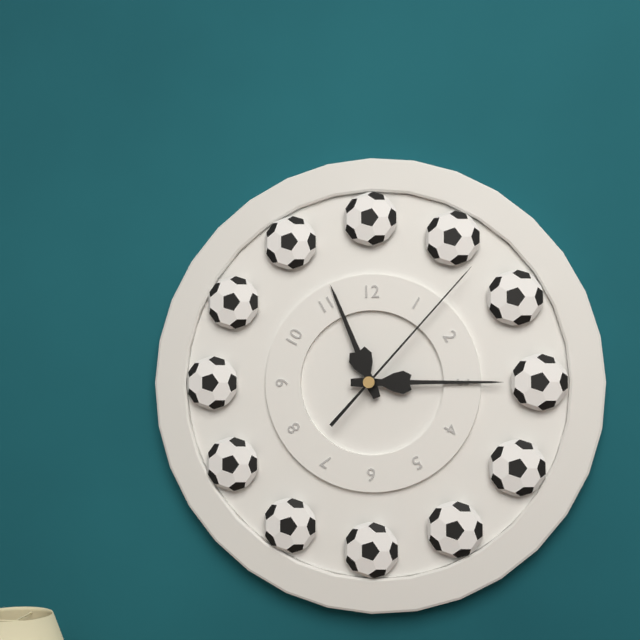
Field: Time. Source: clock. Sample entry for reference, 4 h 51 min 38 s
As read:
11 h 15 min 07 s
